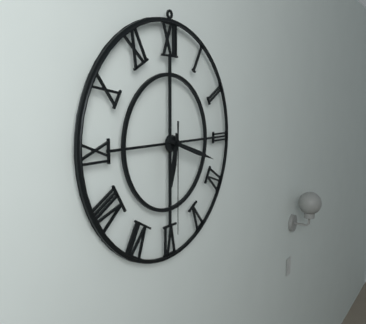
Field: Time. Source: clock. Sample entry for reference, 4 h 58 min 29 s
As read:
6 h 18 min 30 s
